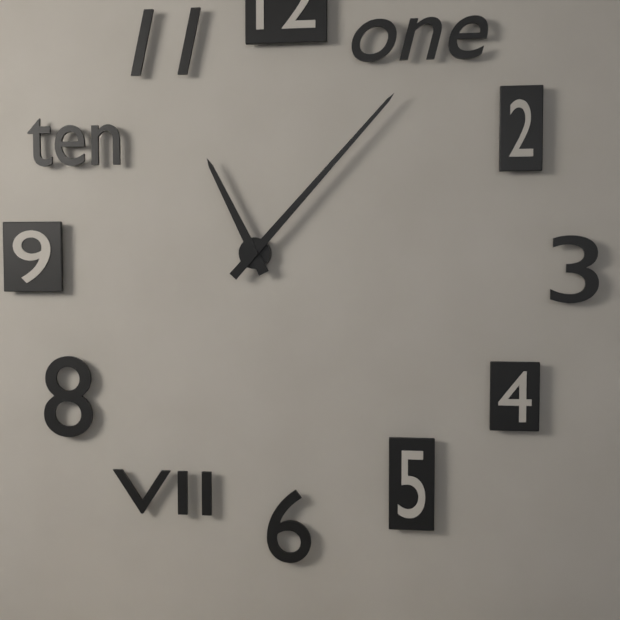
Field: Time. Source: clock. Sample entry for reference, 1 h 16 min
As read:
11 h 07 min
